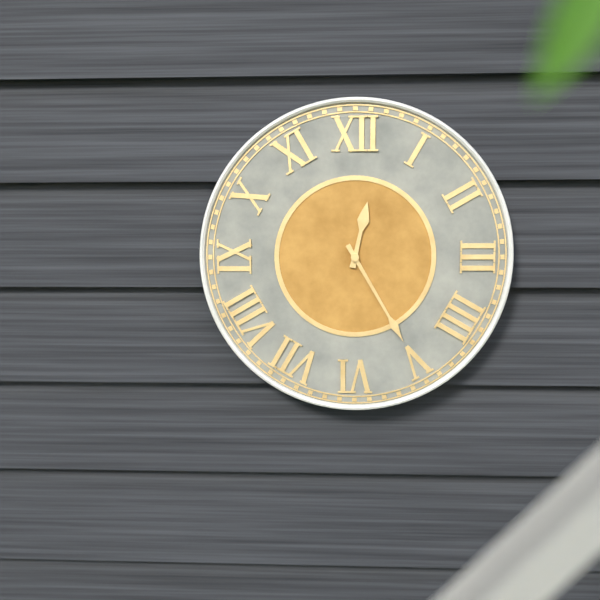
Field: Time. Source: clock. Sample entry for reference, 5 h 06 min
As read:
12 h 25 min
